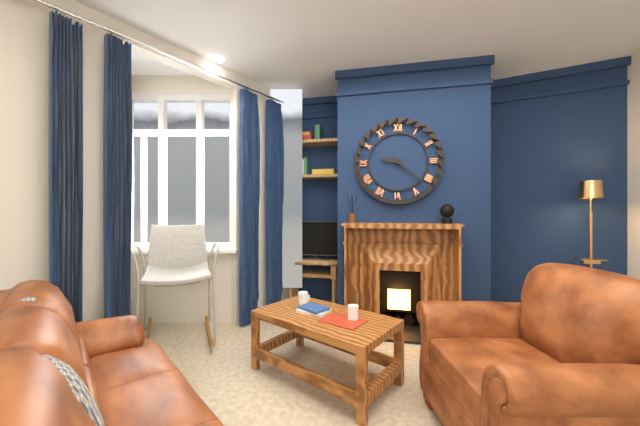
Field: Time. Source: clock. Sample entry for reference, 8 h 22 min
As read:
9 h 22 min
